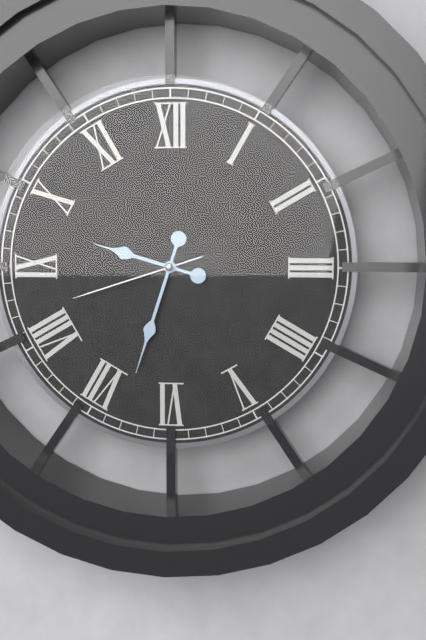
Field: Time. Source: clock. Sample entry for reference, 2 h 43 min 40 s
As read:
9 h 33 min 42 s
